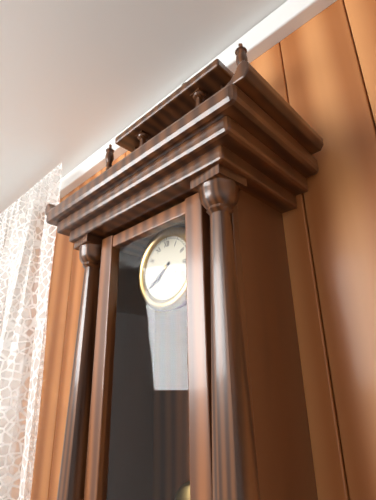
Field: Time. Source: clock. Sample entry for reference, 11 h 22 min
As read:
7 h 39 min
